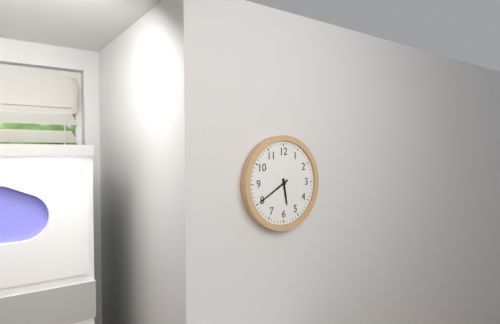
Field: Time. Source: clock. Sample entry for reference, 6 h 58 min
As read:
5 h 40 min
